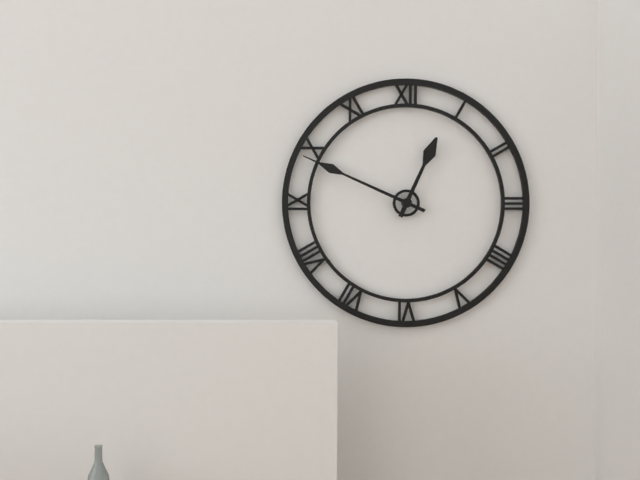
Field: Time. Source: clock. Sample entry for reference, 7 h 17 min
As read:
12 h 49 min
